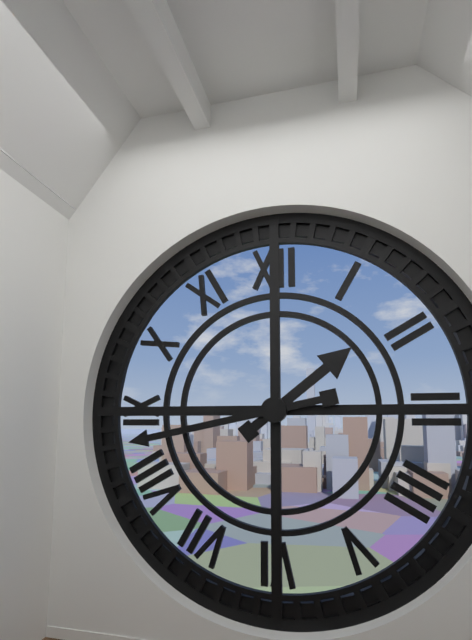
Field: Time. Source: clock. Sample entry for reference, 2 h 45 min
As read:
1 h 43 min
